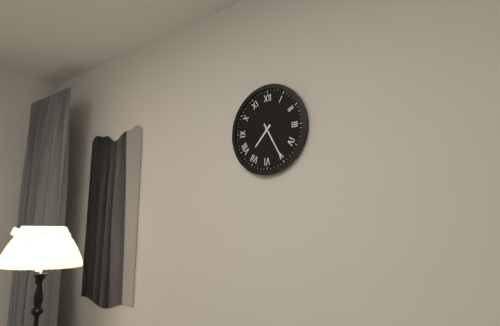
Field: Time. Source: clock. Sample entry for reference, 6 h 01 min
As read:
7 h 25 min
